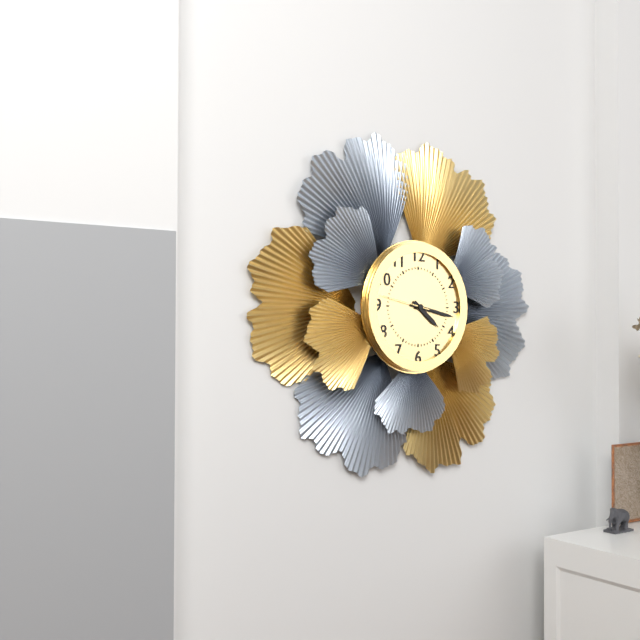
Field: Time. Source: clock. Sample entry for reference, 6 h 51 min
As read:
4 h 17 min
